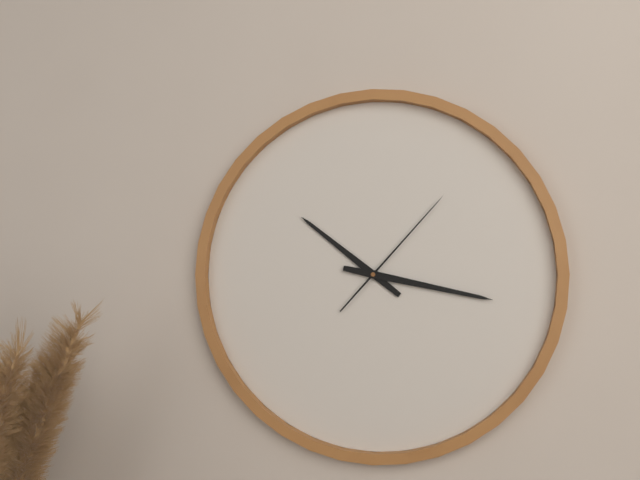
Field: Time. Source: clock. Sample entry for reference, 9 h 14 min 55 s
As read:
10 h 17 min 07 s
